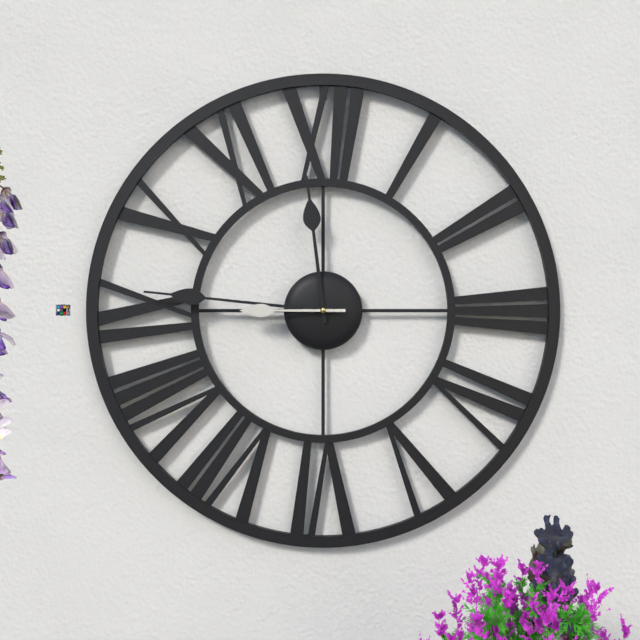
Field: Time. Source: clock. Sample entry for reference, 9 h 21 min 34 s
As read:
11 h 46 min 45 s
